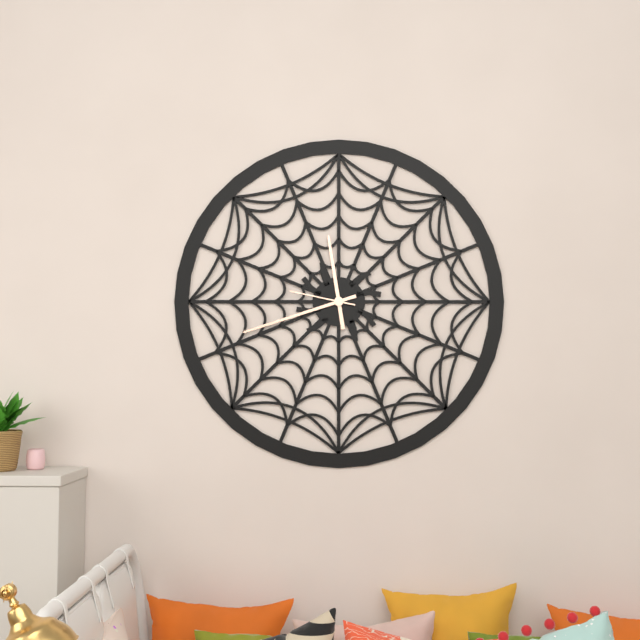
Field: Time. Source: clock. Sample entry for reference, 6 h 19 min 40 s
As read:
11 h 42 min 47 s
